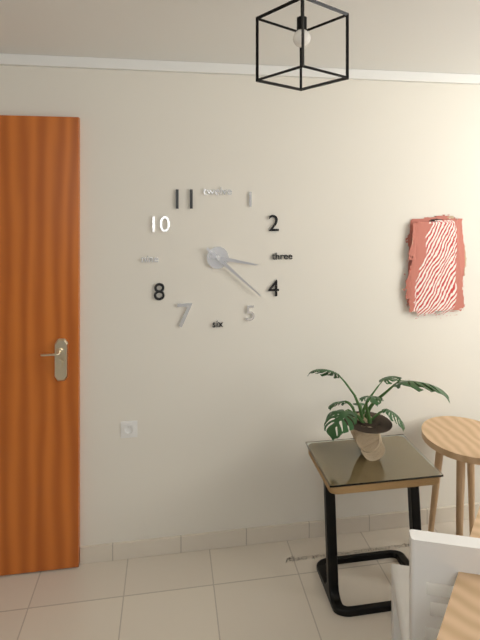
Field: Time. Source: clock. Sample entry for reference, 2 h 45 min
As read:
3 h 22 min
